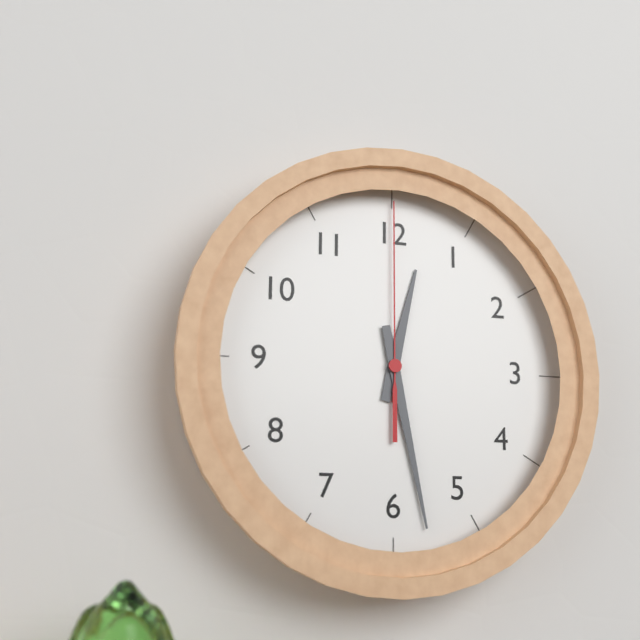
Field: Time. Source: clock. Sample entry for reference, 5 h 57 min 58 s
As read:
12 h 28 min 00 s
